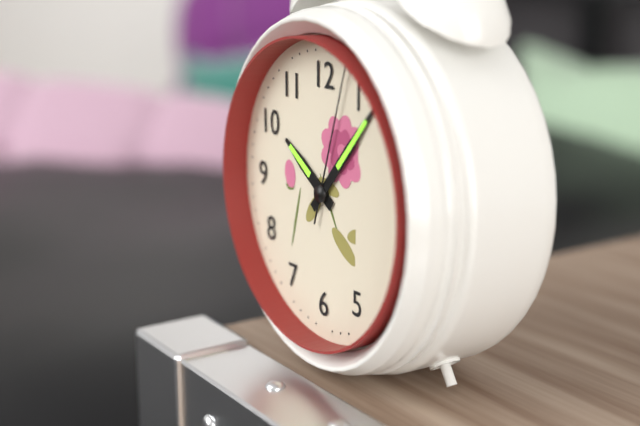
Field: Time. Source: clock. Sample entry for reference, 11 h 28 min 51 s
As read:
10 h 07 min 03 s
